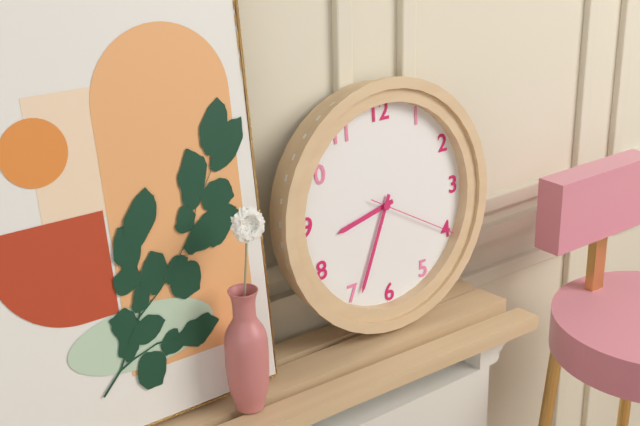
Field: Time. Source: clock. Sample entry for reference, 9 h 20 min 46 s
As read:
8 h 34 min 20 s
